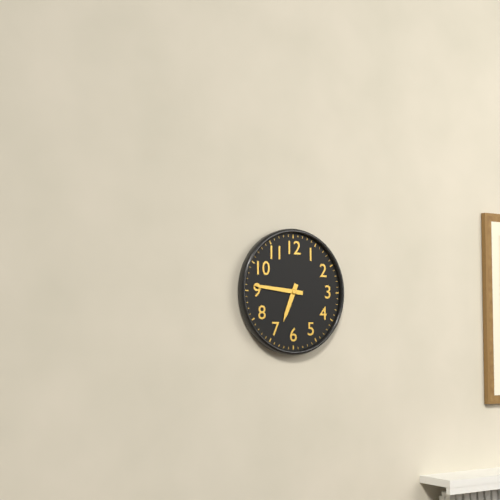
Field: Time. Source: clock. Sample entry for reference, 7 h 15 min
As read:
6 h 46 min
